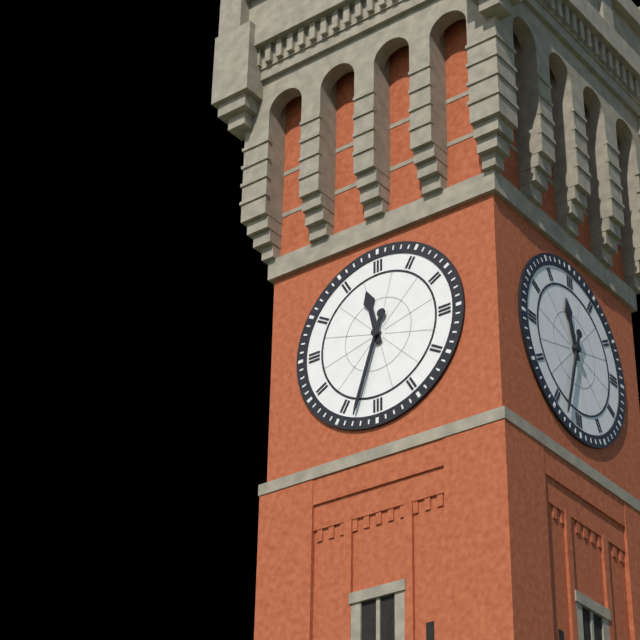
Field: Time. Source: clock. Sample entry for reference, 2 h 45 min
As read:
11 h 33 min
